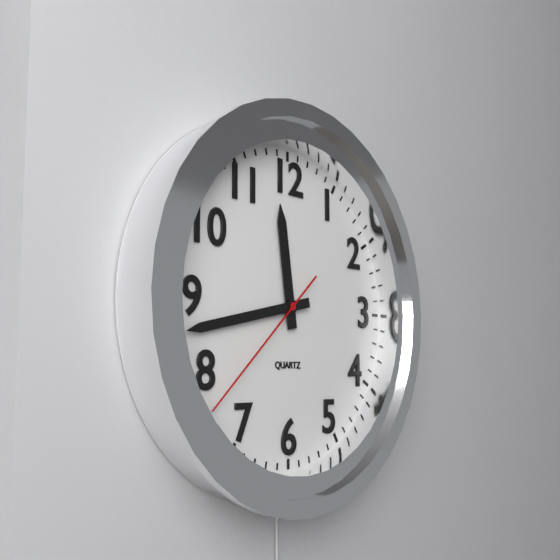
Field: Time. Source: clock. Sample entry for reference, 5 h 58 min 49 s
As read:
11 h 43 min 38 s
